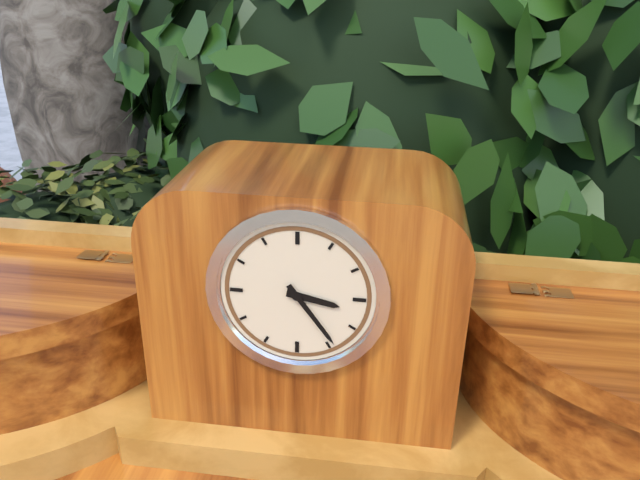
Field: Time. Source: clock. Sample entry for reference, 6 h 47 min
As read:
3 h 24 min
